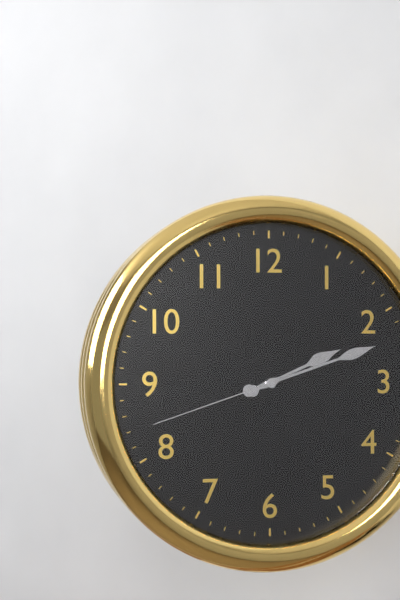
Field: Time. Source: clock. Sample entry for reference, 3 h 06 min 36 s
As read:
2 h 12 min 42 s
